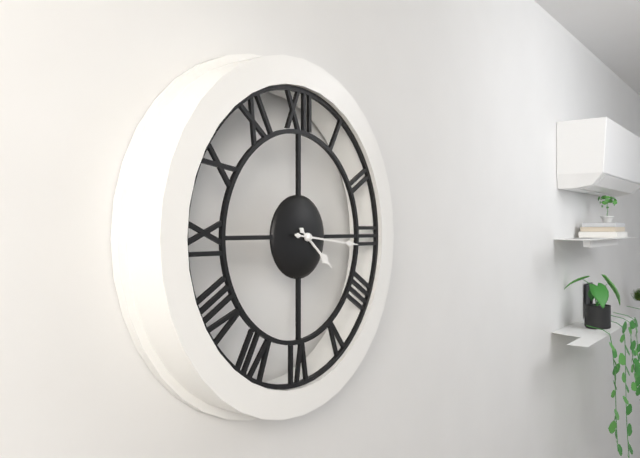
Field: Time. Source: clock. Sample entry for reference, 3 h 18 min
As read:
4 h 16 min
